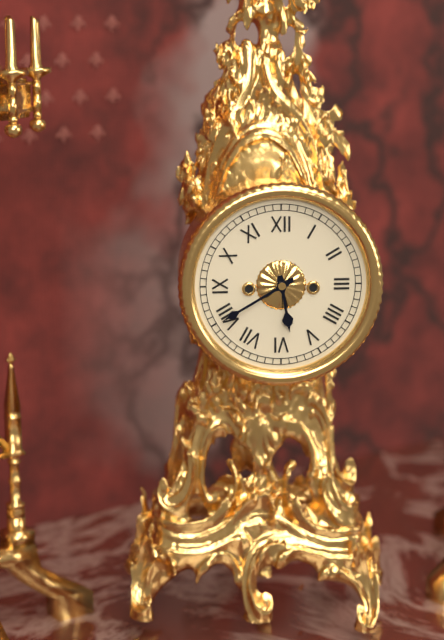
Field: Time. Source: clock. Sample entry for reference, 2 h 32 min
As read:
5 h 40 min
